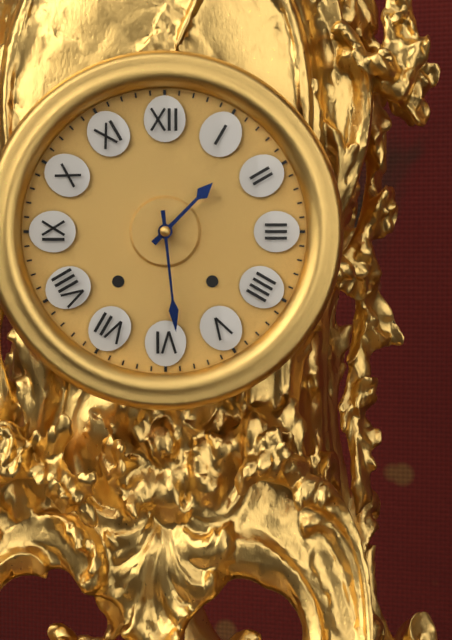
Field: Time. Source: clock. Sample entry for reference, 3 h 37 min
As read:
1 h 29 min
